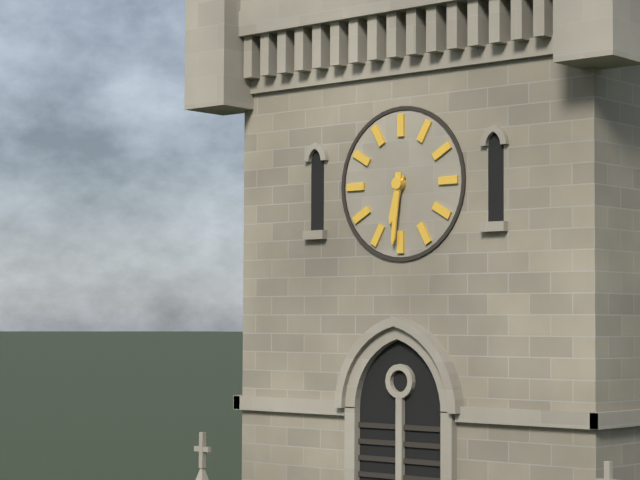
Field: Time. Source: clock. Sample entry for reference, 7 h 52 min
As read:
6 h 31 min
